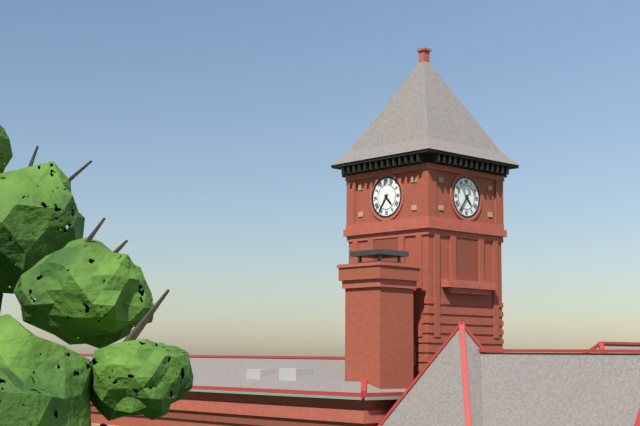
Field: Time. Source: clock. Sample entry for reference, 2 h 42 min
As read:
4 h 36 min
